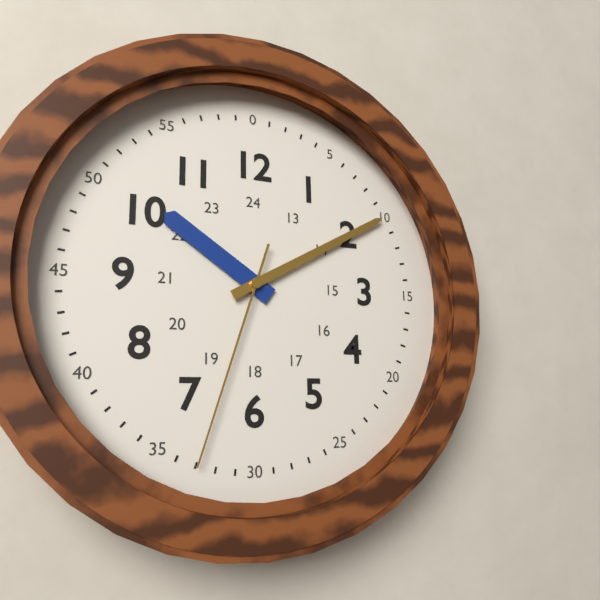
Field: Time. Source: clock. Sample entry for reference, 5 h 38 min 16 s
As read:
10 h 10 min 33 s
